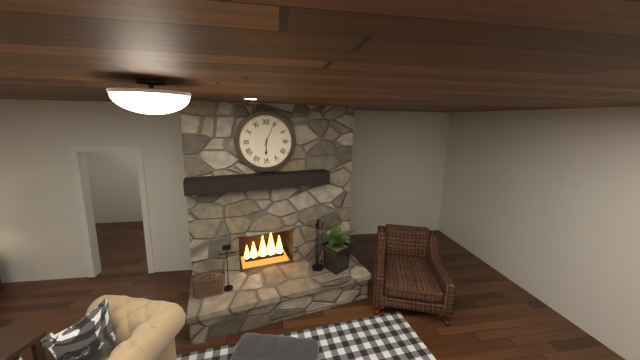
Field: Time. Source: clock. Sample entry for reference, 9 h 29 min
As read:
6 h 04 min
